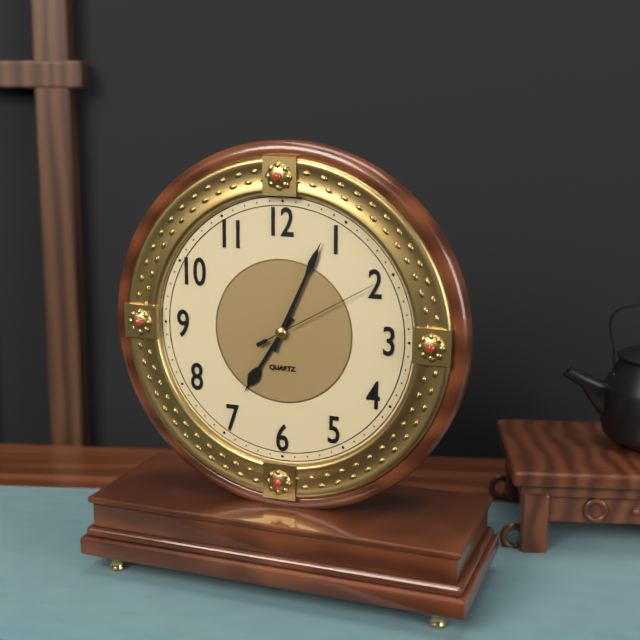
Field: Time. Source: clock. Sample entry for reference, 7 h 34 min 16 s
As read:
7 h 04 min 10 s
